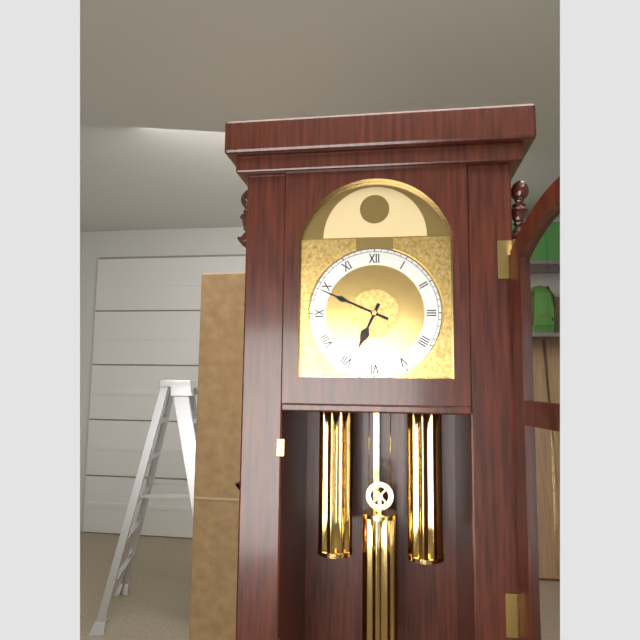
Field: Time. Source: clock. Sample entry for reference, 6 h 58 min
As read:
6 h 49 min
